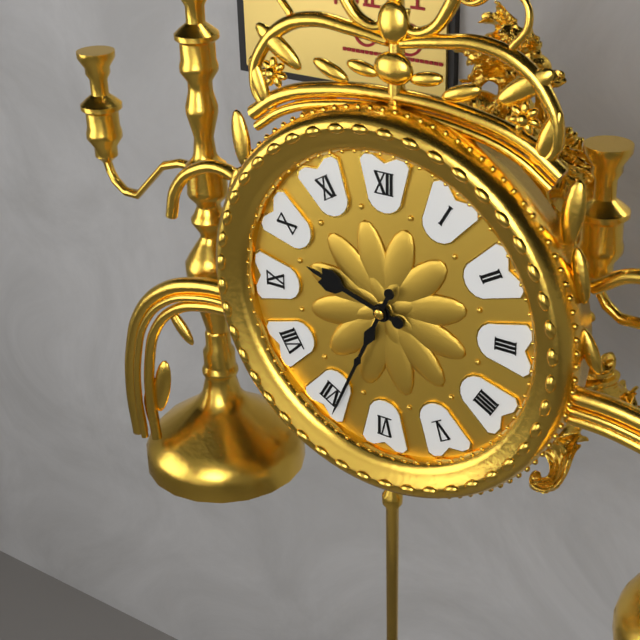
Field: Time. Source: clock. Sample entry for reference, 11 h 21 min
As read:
9 h 34 min
